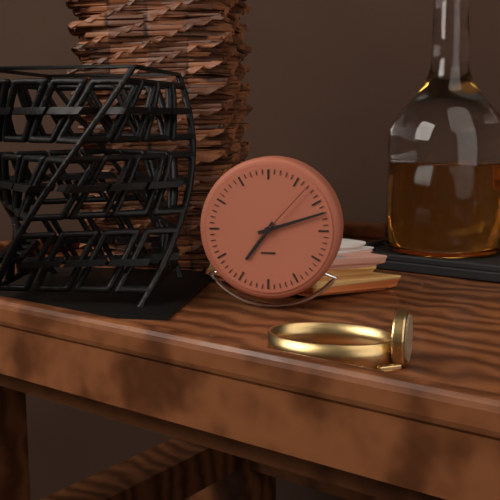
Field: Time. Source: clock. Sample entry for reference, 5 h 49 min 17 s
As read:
7 h 12 min 07 s
